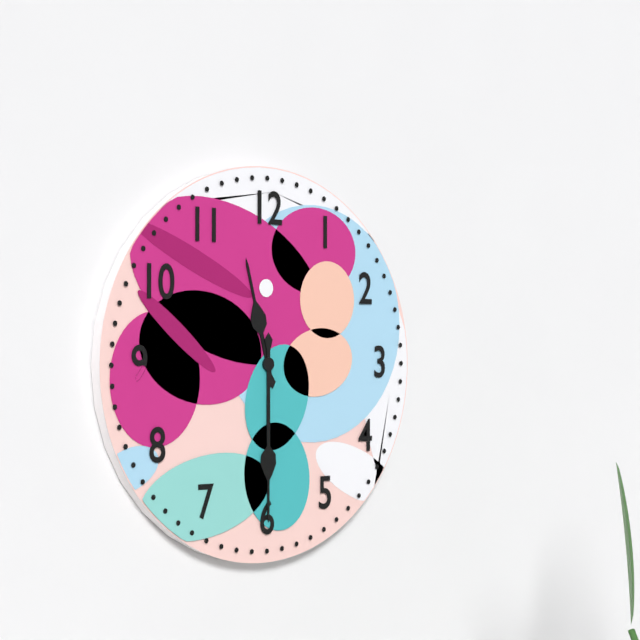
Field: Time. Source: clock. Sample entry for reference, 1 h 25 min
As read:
11 h 30 min
